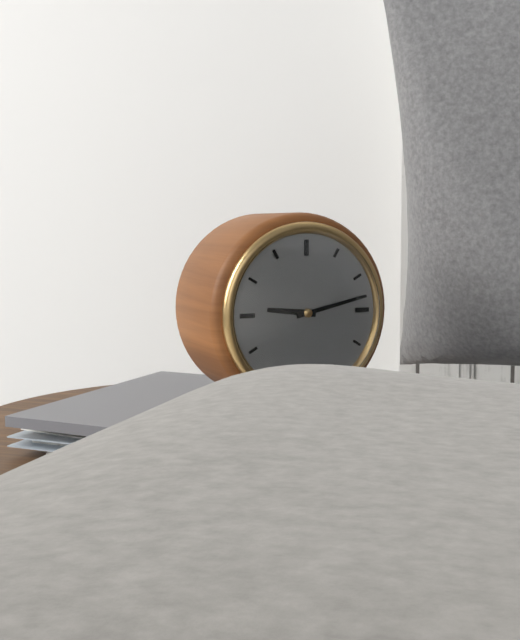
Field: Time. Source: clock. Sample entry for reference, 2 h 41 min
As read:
9 h 13 min
